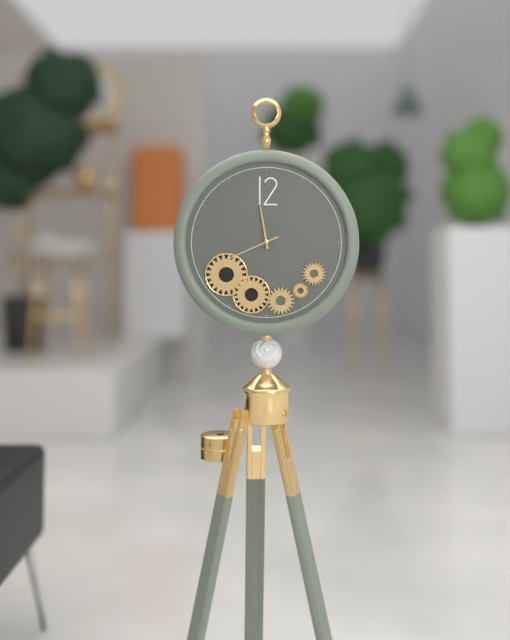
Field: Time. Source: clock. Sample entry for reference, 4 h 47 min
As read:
11 h 41 min
